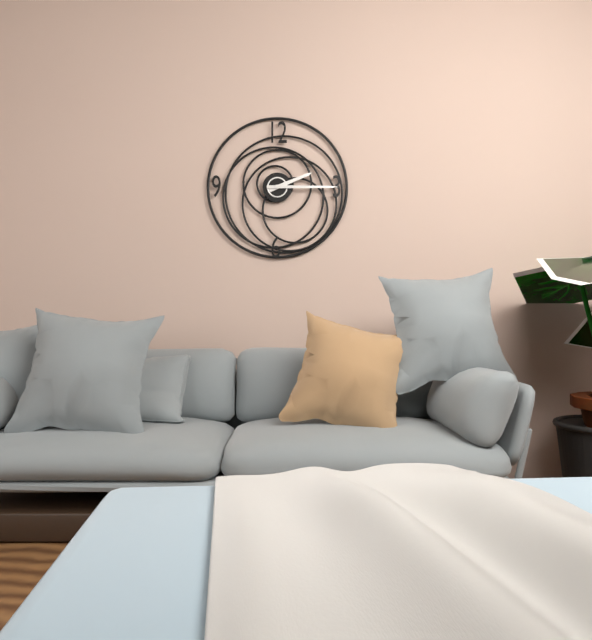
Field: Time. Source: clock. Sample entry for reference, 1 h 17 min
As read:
2 h 15 min
